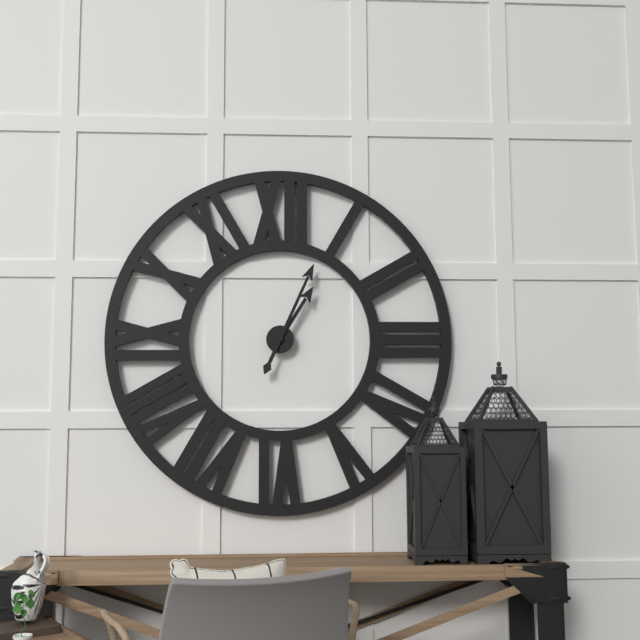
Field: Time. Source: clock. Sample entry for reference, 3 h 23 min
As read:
1 h 04 min
